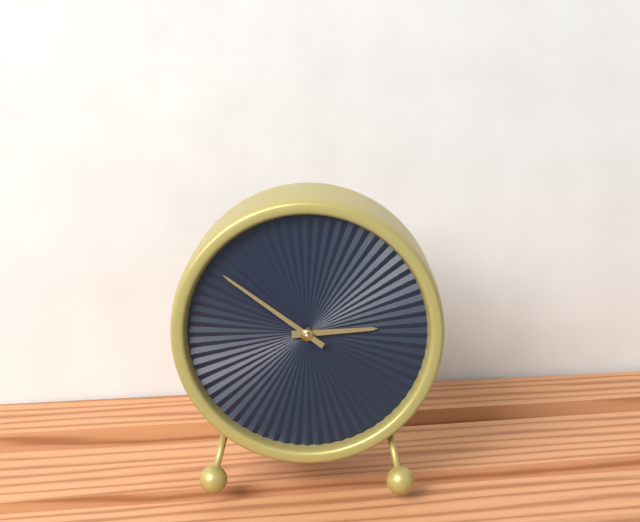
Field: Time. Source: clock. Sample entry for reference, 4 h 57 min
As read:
2 h 51 min
